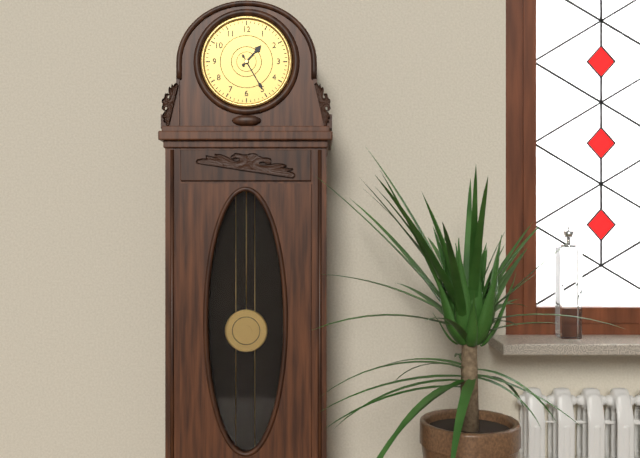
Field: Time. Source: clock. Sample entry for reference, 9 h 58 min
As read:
1 h 25 min
